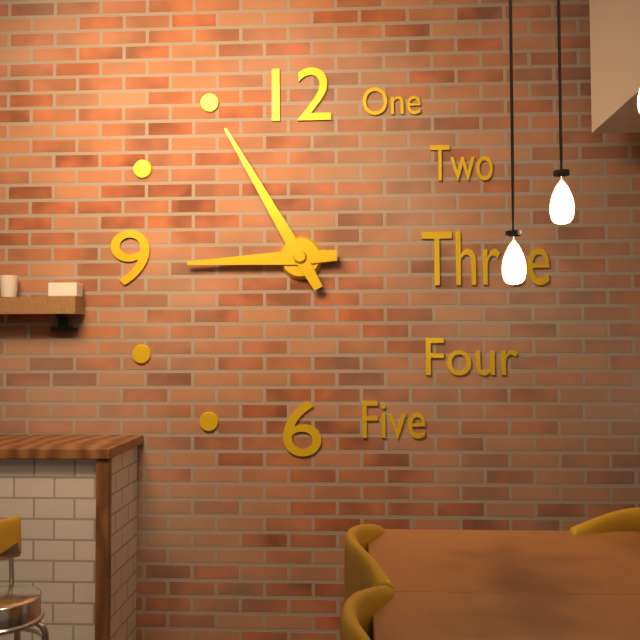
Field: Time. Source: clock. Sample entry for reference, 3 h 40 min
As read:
8 h 55 min
